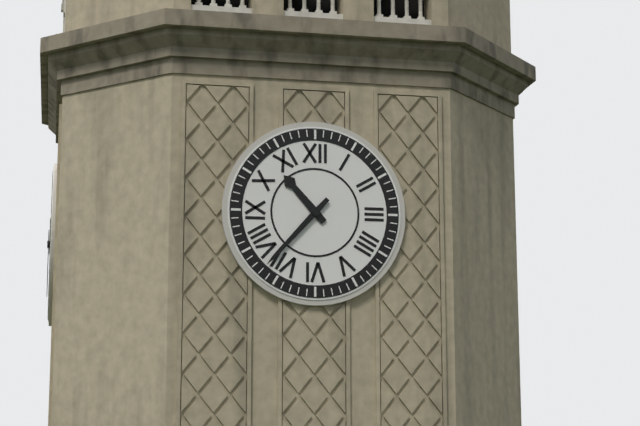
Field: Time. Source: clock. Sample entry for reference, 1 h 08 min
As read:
10 h 37 min
